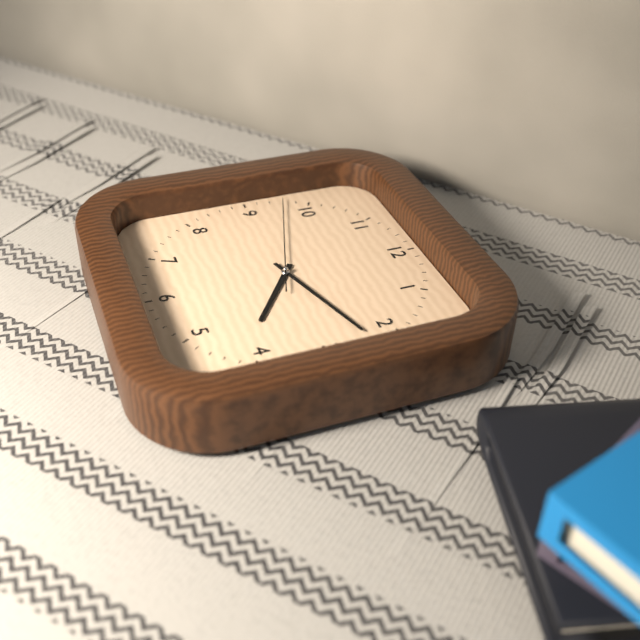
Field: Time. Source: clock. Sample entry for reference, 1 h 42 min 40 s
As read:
4 h 12 min 48 s
